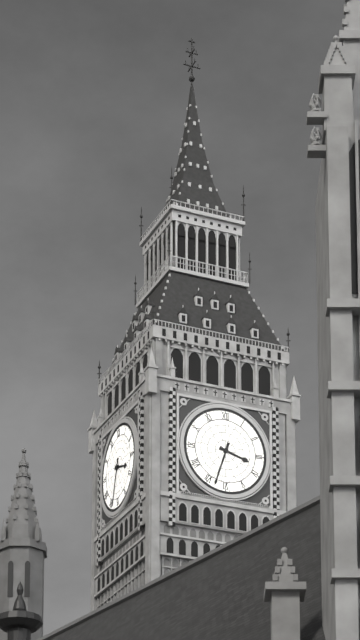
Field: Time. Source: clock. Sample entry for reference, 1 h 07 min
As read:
3 h 33 min
